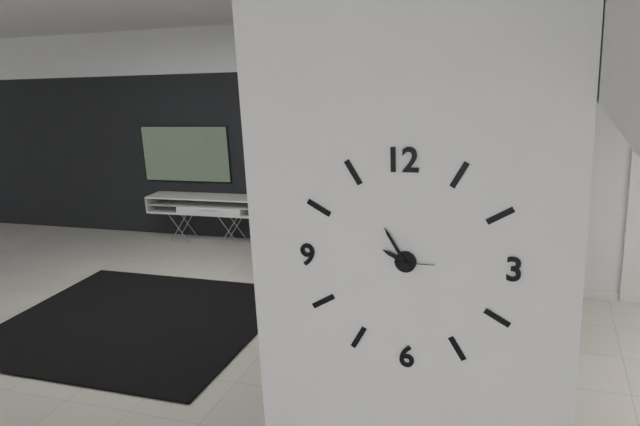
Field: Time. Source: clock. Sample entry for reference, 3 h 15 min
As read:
9 h 55 min
